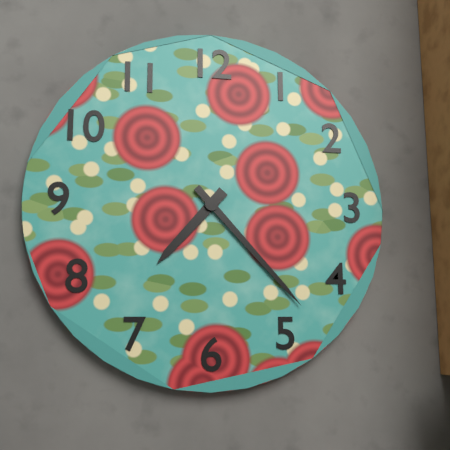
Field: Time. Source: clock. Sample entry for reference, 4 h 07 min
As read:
7 h 23 min
